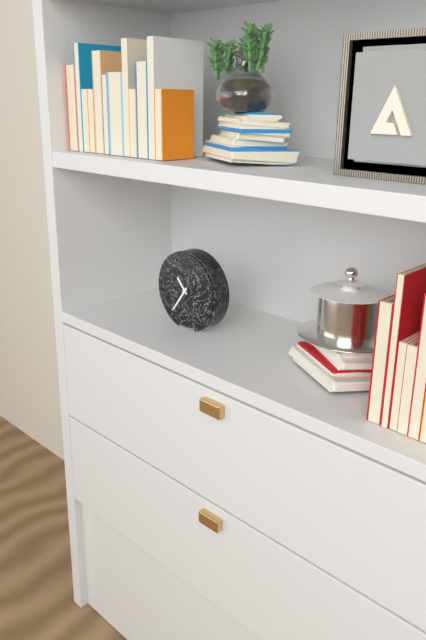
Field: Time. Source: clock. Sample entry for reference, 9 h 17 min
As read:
10 h 36 min
